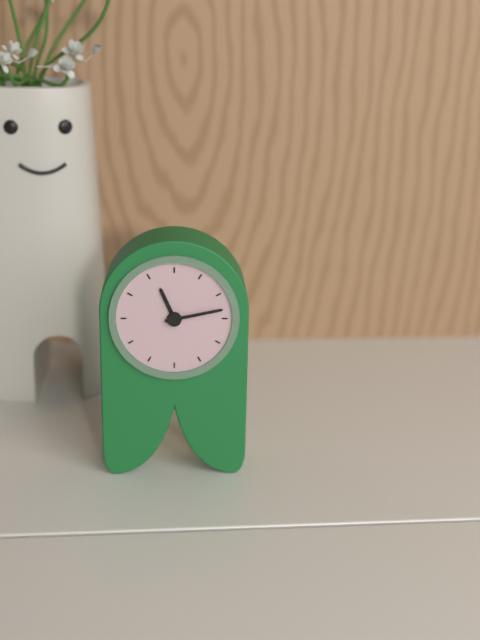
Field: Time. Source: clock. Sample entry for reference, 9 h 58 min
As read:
11 h 13 min
